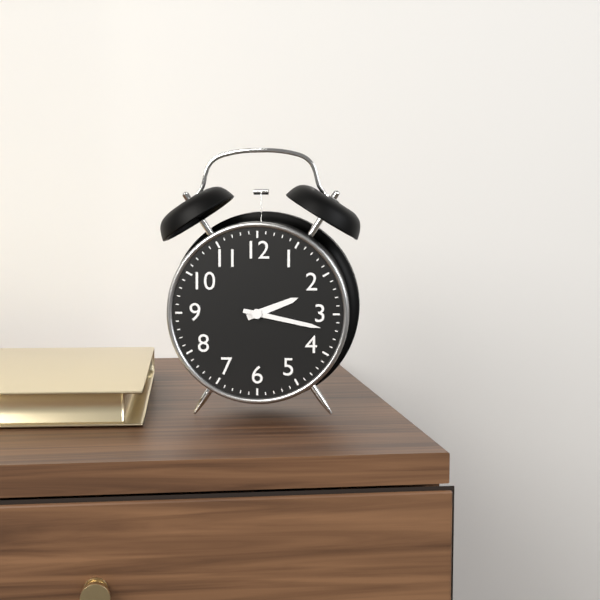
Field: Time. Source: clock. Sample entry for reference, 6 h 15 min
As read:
2 h 17 min
